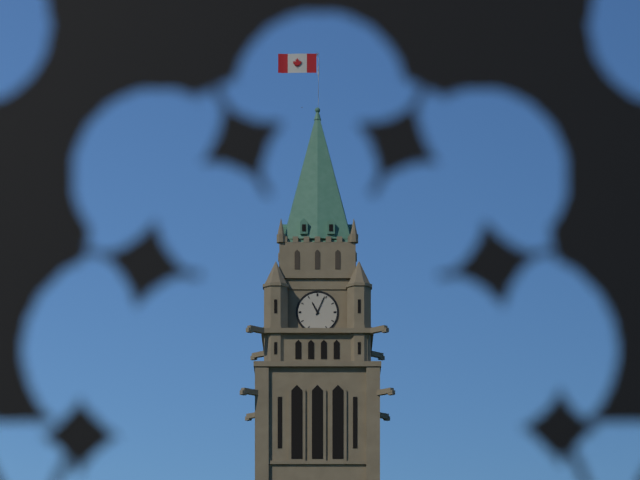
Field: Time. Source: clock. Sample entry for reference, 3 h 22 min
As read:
11 h 04 min
